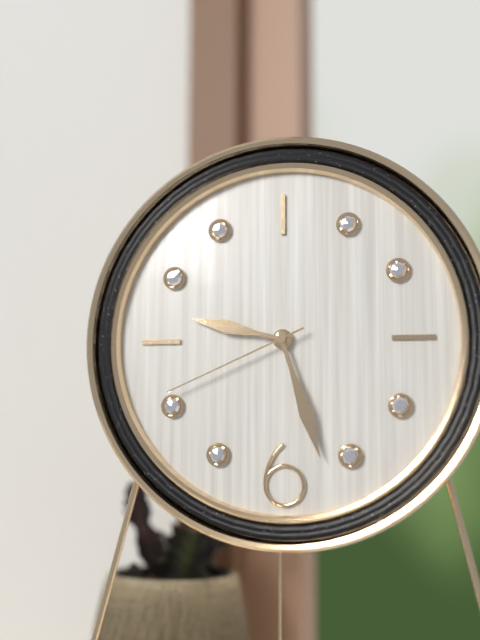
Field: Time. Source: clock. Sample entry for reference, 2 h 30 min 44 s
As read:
9 h 27 min 41 s
